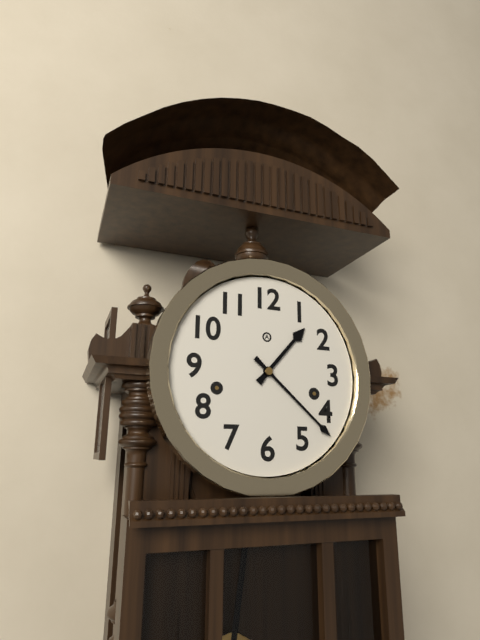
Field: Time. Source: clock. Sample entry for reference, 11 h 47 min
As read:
1 h 22 min
